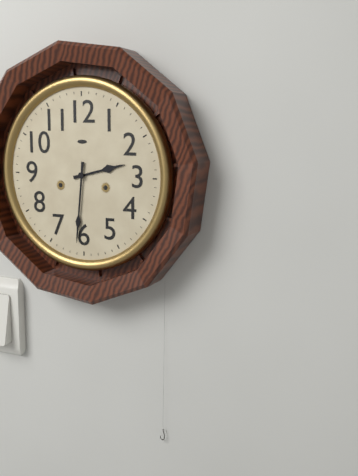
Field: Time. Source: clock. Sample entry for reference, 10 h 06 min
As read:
2 h 31 min
